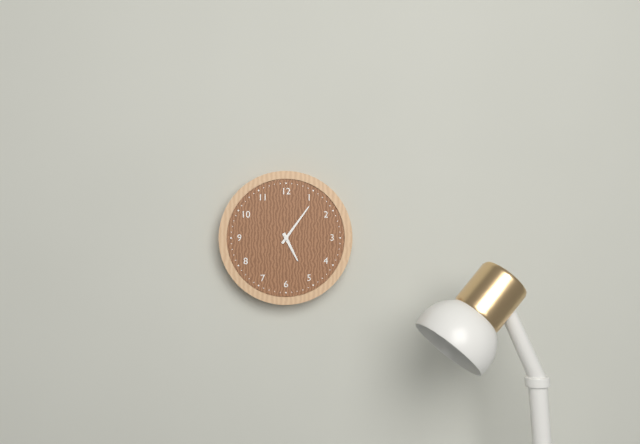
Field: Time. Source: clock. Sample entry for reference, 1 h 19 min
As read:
5 h 06 min
